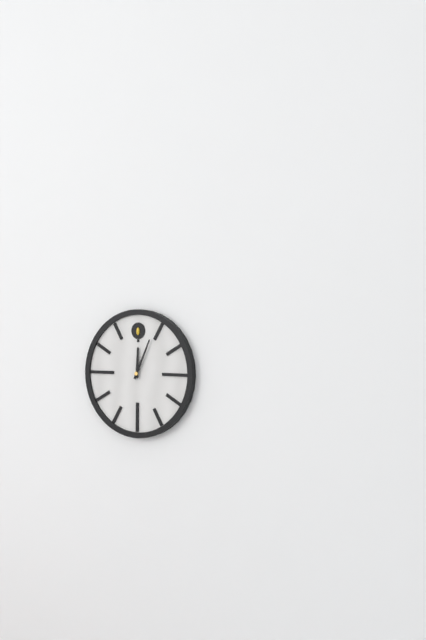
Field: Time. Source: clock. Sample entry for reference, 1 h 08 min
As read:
12 h 04 min
